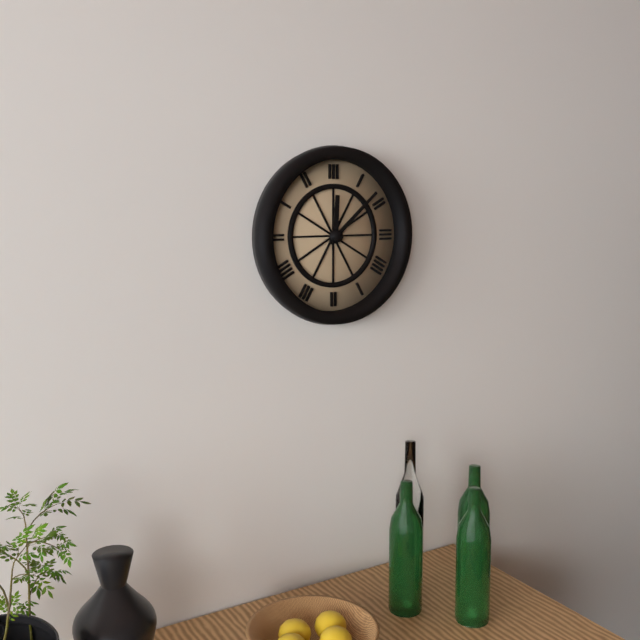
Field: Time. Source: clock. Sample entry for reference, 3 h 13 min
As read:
12 h 08 min
